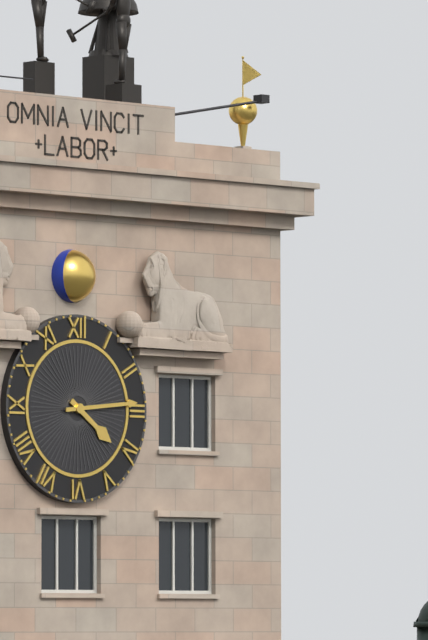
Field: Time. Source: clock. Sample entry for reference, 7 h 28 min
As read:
4 h 14 min
